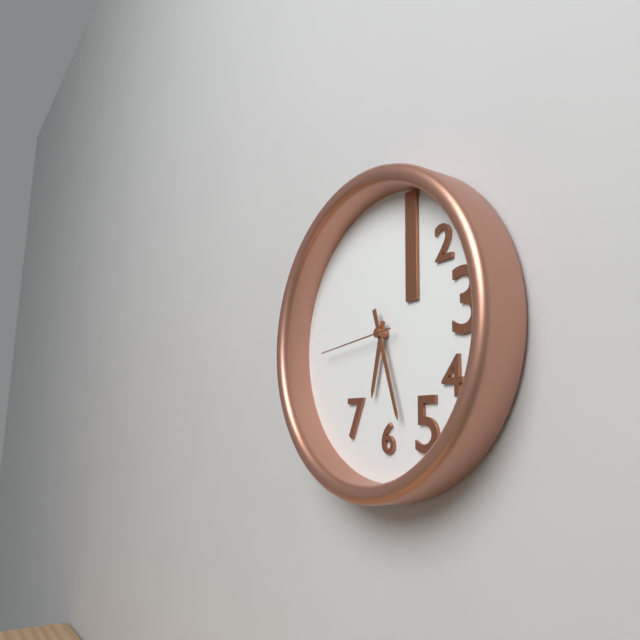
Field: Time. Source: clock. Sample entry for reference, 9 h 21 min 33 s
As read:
6 h 27 min 44 s
